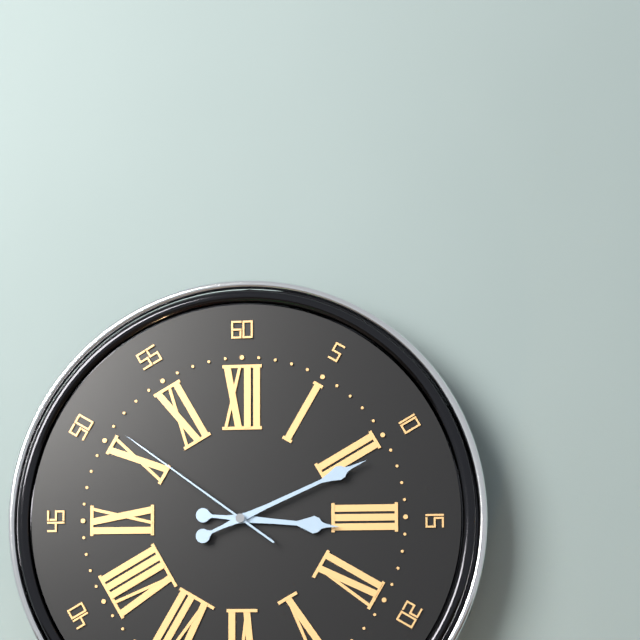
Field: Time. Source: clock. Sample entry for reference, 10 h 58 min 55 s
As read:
3 h 11 min 51 s
